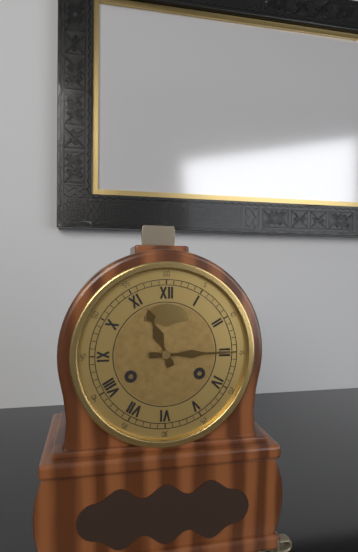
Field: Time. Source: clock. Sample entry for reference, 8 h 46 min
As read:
11 h 15 min
